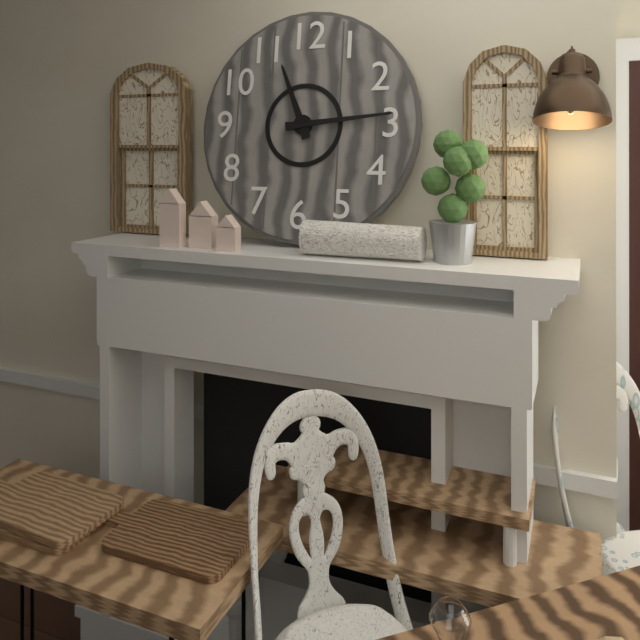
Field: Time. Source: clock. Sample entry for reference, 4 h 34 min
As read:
11 h 14 min
